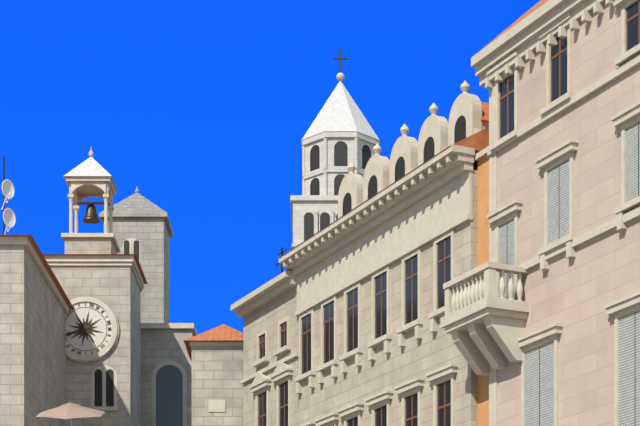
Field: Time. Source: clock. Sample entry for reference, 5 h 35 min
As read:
8 h 25 min
